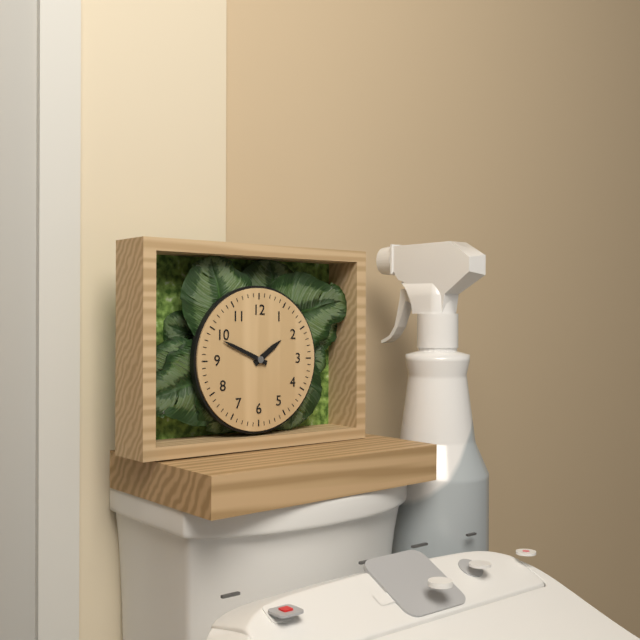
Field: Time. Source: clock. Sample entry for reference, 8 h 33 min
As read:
1 h 49 min
